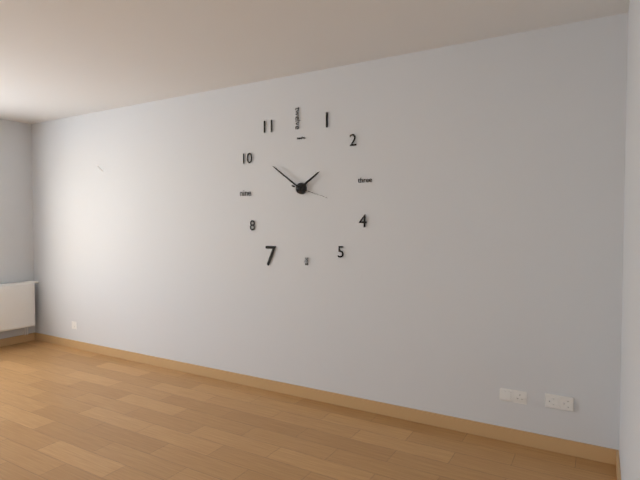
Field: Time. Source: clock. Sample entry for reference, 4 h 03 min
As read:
1 h 51 min
